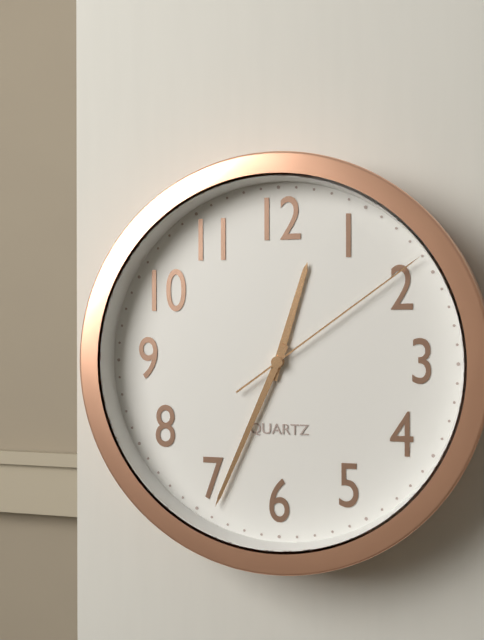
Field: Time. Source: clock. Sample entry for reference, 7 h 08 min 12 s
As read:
12 h 34 min 09 s
